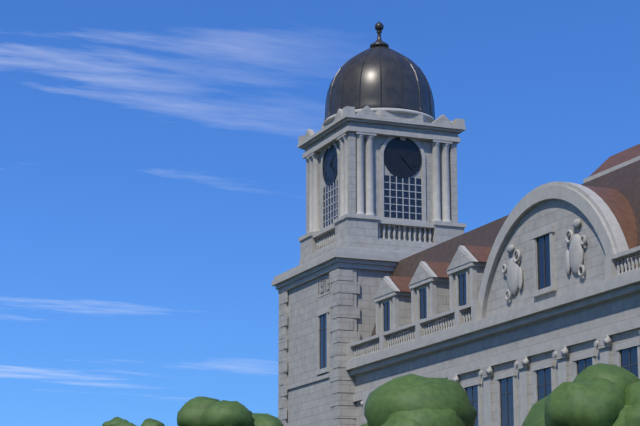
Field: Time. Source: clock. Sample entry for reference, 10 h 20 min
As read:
1 h 23 min
